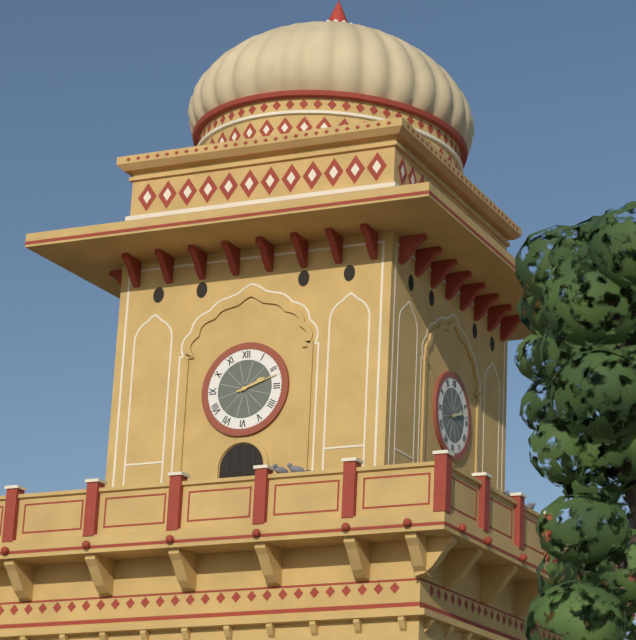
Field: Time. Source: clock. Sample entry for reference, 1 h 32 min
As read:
2 h 12 min
